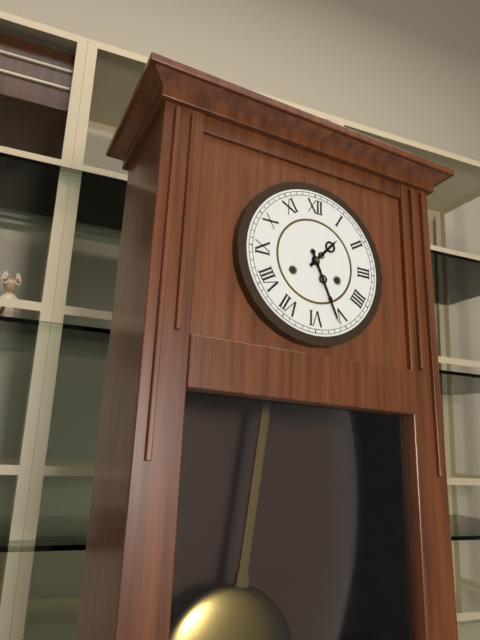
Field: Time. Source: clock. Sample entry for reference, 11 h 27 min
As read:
1 h 26 min
